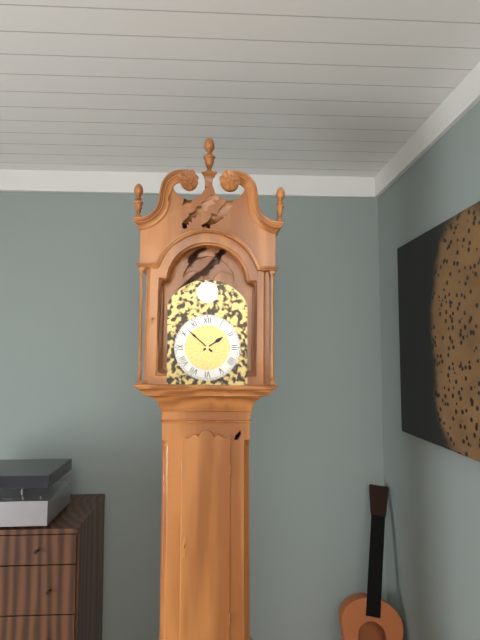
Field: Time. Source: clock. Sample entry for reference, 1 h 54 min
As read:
1 h 52 min
